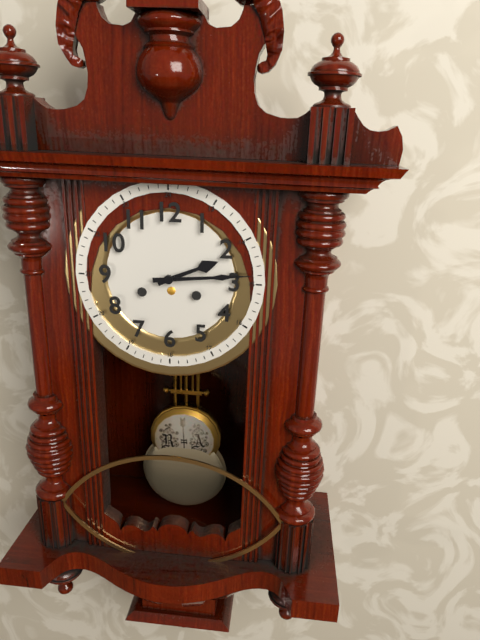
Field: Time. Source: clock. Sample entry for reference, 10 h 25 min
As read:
2 h 14 min
